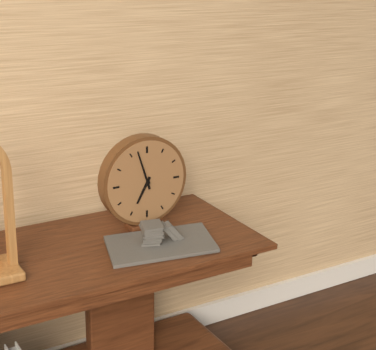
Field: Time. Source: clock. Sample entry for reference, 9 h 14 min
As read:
6 h 57 min
